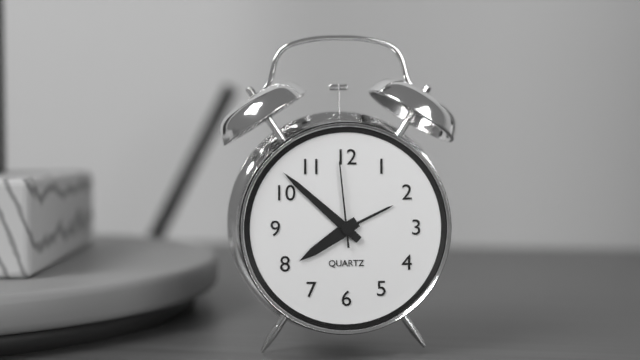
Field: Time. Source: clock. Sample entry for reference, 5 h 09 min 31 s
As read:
7 h 52 min 59 s
